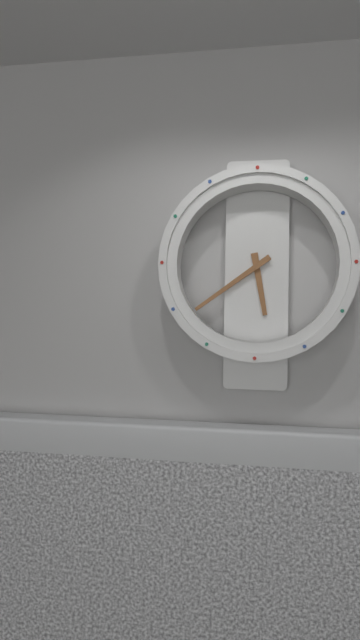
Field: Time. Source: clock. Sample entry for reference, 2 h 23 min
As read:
5 h 39 min
